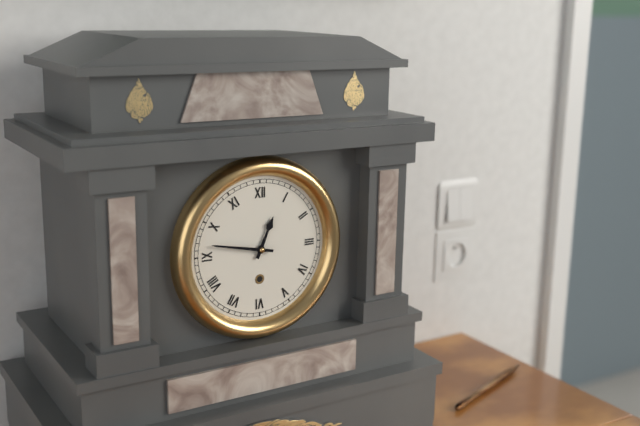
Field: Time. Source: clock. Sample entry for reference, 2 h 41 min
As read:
12 h 47 min
